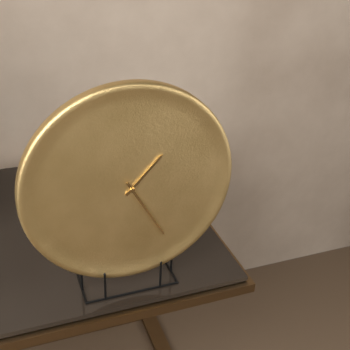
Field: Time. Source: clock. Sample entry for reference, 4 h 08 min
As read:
1 h 25 min
